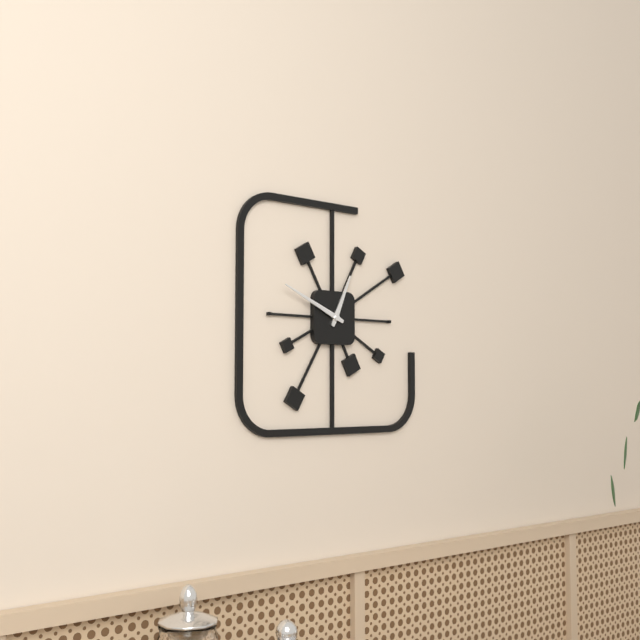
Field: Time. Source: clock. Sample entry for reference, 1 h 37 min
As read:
12 h 49 min
